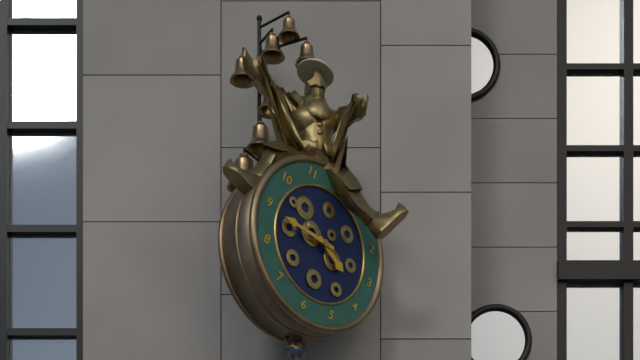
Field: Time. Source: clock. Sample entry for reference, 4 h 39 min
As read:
3 h 44 min
